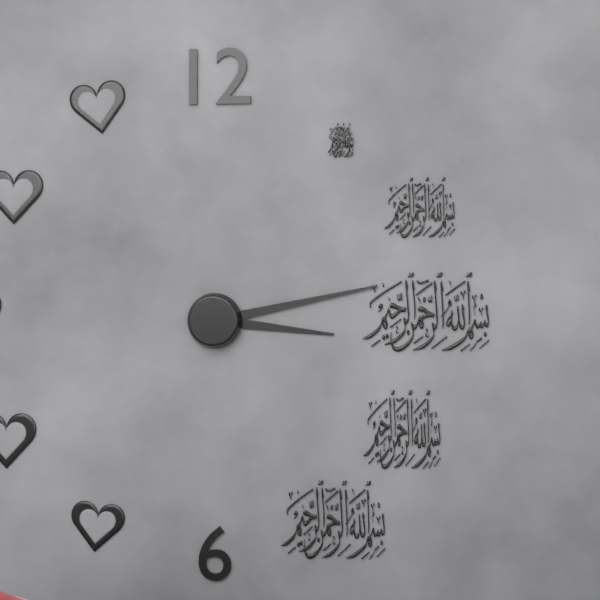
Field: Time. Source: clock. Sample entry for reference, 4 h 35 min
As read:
3 h 13 min
